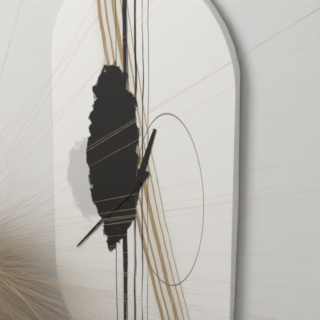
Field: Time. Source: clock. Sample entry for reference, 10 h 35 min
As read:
12 h 37 min
